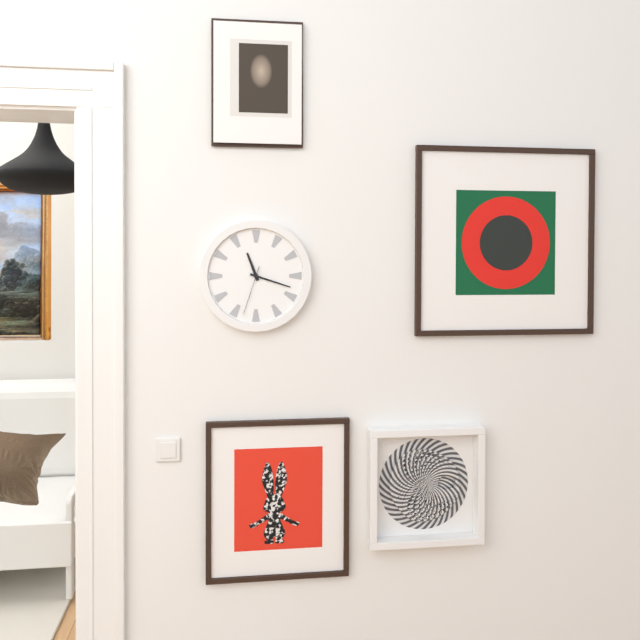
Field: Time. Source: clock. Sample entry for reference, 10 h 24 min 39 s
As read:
11 h 18 min 33 s
